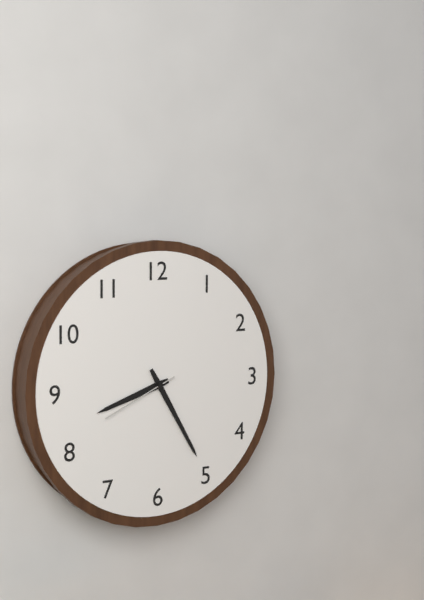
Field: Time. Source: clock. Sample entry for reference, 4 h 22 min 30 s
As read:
8 h 25 min 41 s
